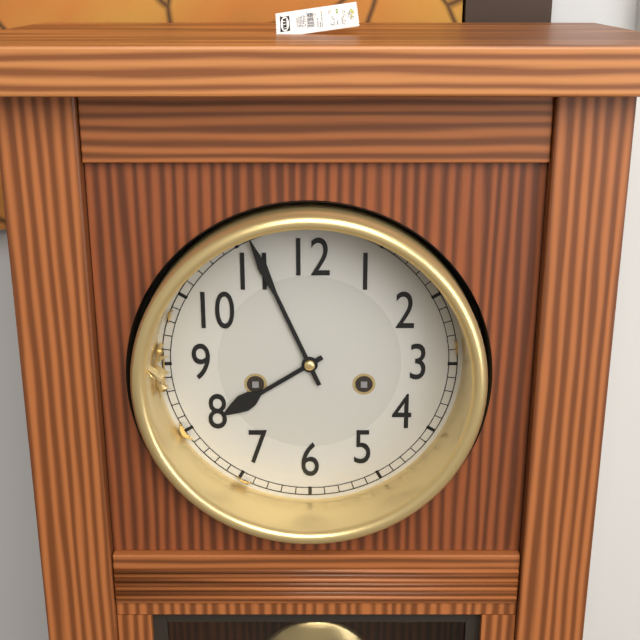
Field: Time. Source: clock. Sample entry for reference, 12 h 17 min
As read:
7 h 56 min
